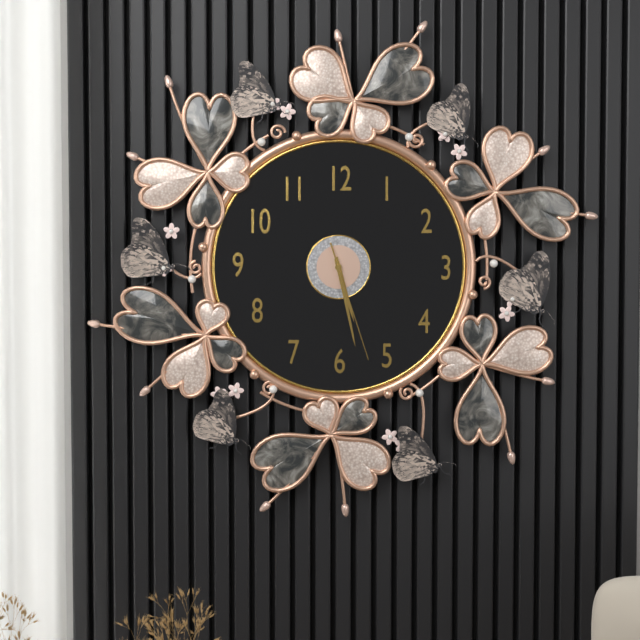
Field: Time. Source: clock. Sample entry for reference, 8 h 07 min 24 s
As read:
5 h 28 min 27 s
